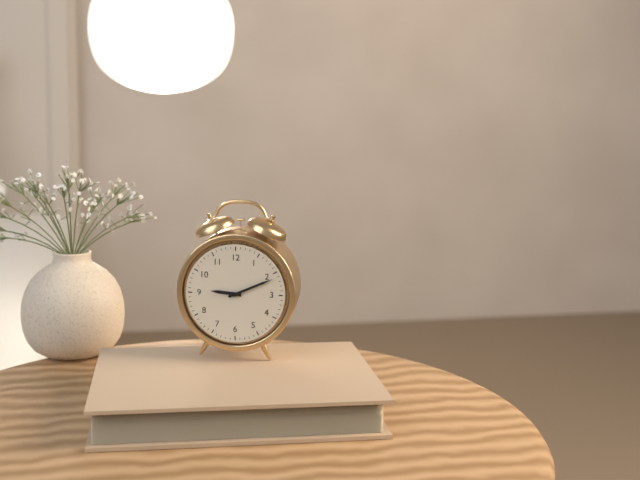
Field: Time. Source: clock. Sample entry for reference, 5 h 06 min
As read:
9 h 11 min
